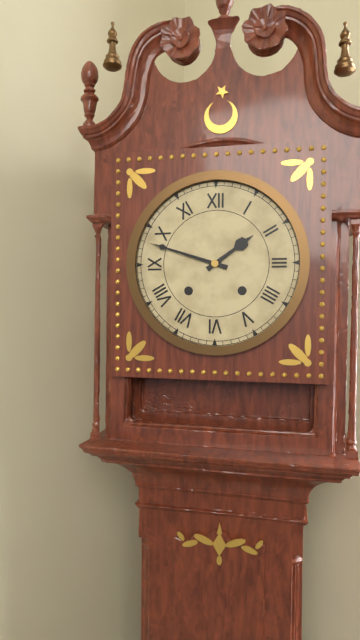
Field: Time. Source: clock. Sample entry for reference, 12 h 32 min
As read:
1 h 48 min
